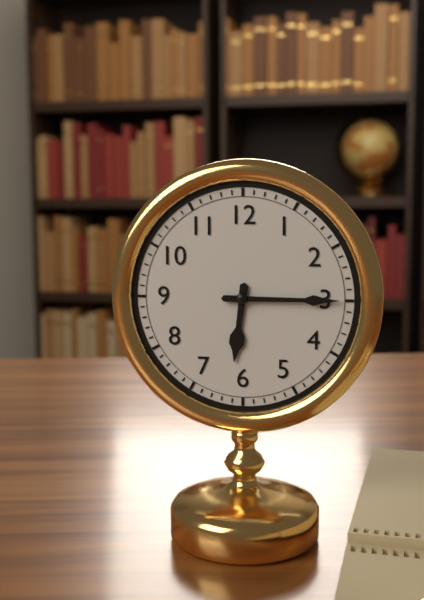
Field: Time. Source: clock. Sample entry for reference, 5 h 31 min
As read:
6 h 15 min
